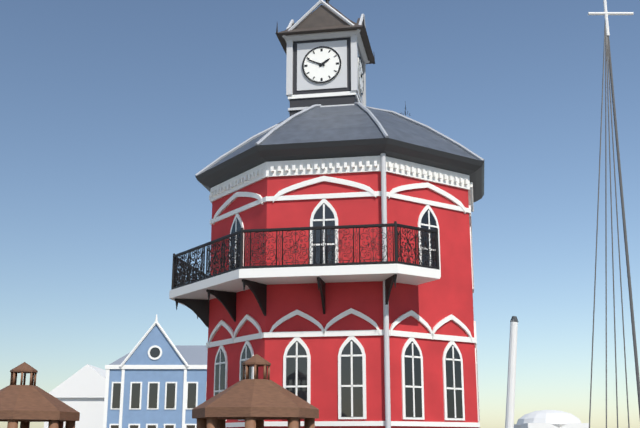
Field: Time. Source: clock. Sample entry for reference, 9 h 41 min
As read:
1 h 49 min
